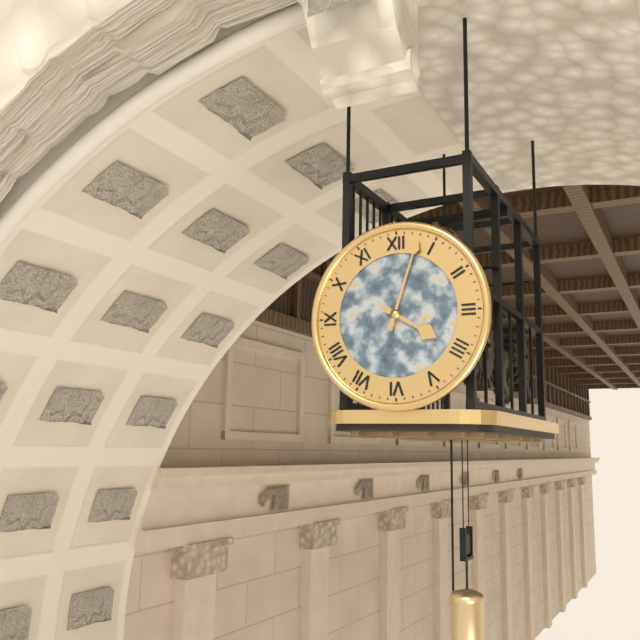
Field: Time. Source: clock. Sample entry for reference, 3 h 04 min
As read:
4 h 03 min
